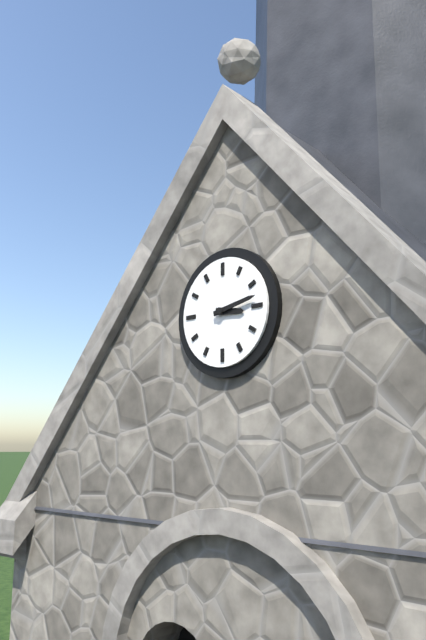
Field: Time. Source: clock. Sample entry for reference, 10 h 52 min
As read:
3 h 13 min
